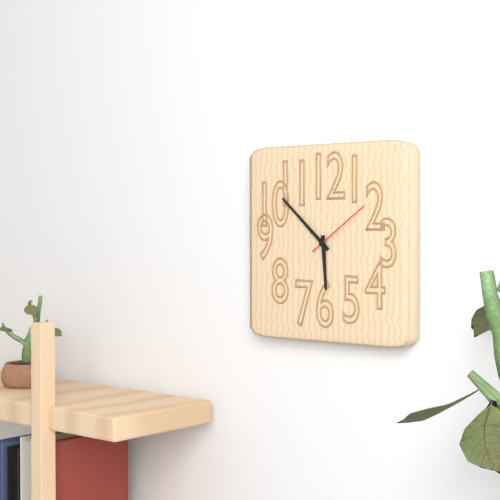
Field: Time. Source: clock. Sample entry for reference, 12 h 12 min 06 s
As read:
5 h 52 min 09 s
